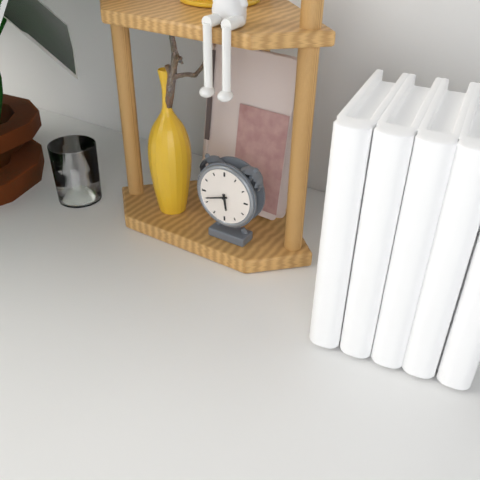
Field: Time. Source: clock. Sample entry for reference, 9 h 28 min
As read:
5 h 42 min
